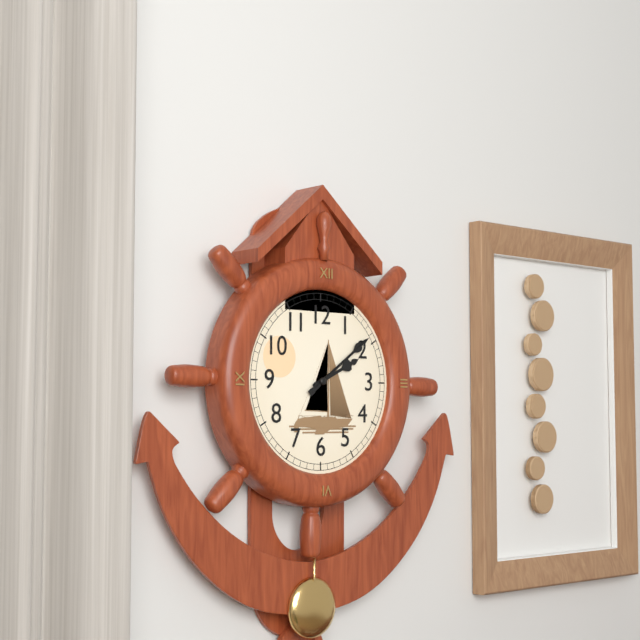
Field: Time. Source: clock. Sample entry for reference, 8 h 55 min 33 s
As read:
2 h 09 min 09 s
